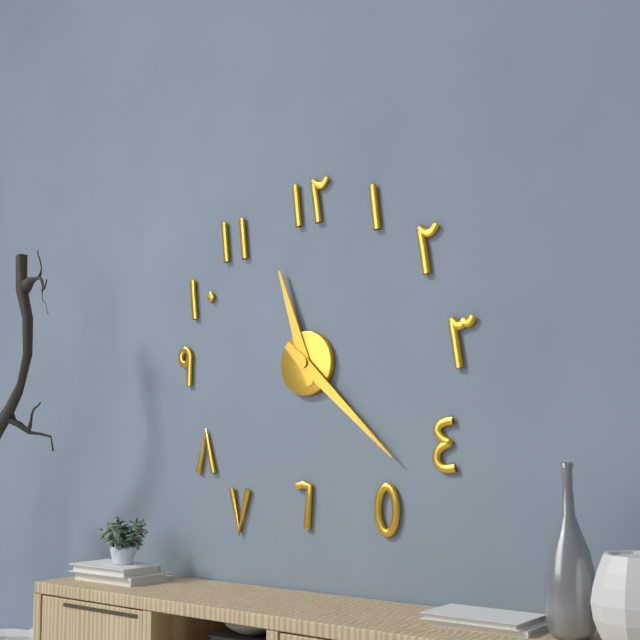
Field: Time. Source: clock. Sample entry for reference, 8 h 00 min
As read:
11 h 22 min
